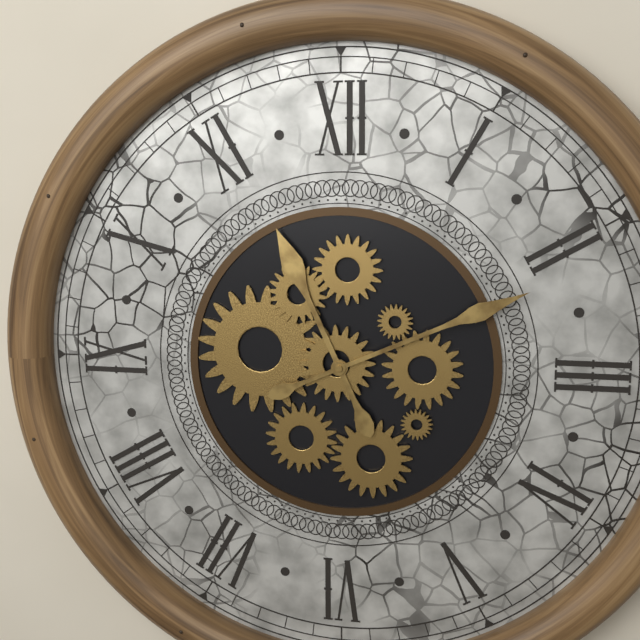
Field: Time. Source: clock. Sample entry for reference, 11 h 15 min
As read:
11 h 11 min
